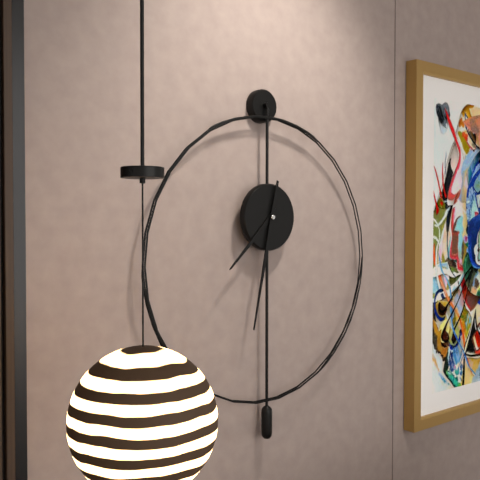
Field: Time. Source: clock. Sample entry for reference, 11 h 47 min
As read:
7 h 32 min
